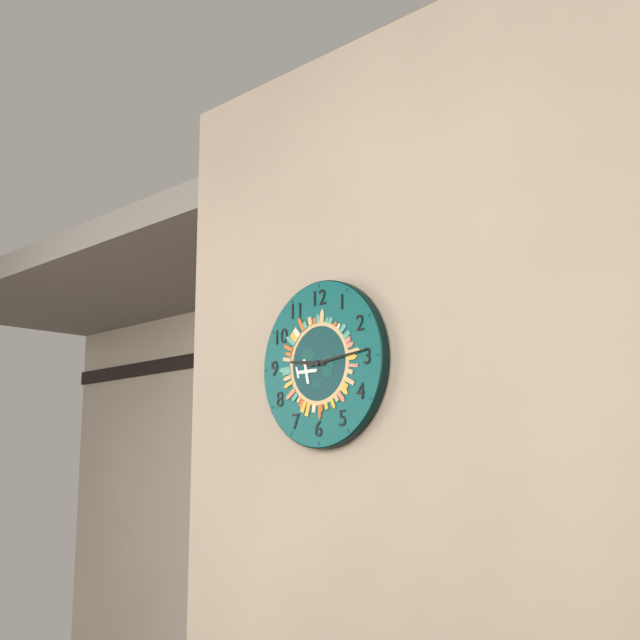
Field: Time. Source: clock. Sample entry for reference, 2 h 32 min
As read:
9 h 14 min
